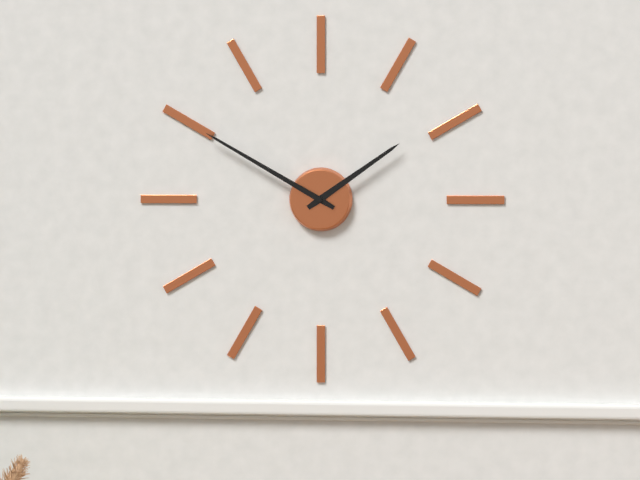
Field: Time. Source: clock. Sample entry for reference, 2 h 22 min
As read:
1 h 50 min
